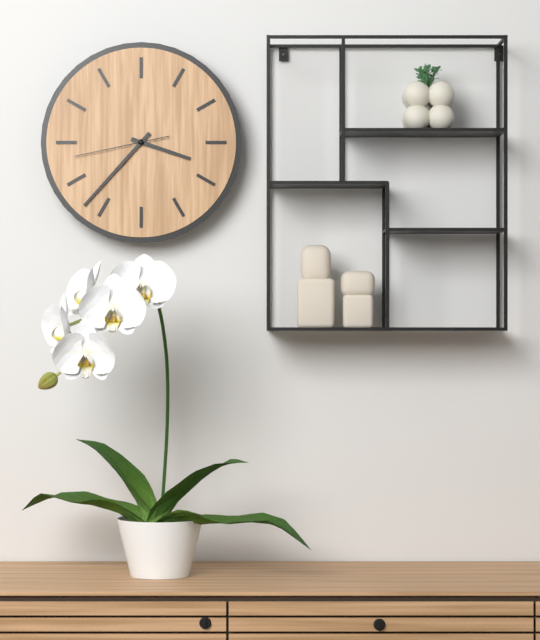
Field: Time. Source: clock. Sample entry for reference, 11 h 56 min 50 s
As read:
3 h 37 min 43 s
